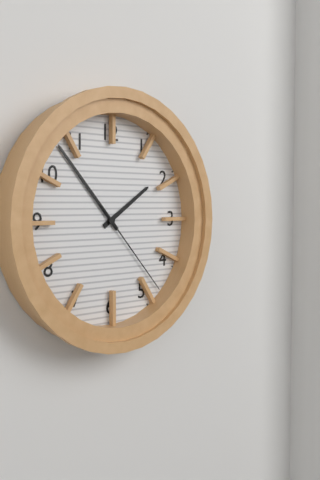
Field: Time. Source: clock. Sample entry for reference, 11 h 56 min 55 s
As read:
1 h 53 min 23 s
